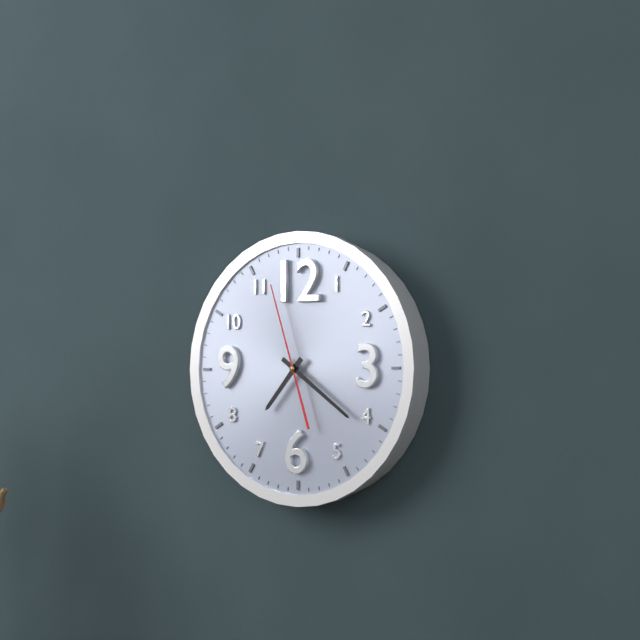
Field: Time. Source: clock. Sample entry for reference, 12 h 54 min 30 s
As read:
7 h 21 min 57 s
